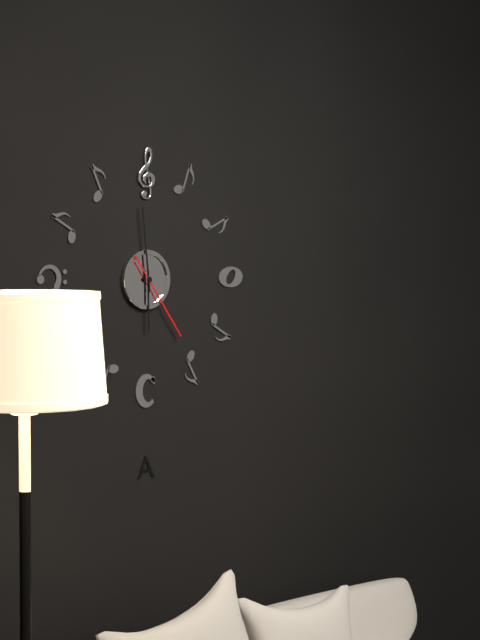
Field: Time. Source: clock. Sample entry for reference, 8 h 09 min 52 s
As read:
5 h 59 min 24 s
